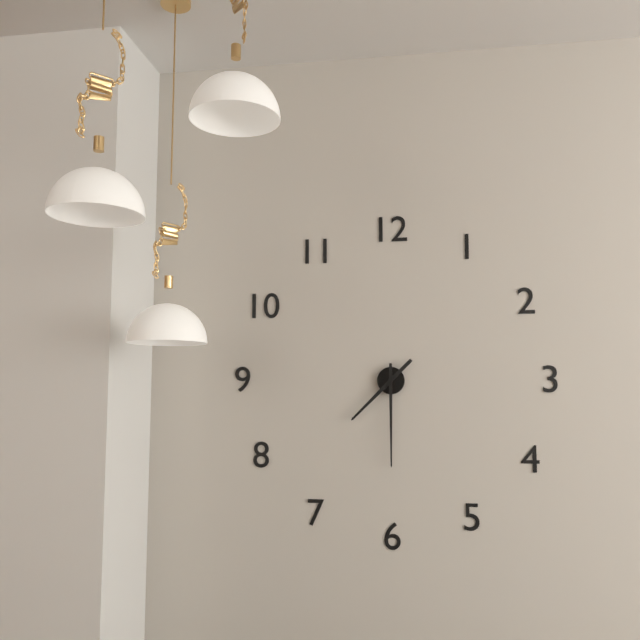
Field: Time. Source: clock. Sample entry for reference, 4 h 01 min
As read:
7 h 30 min
